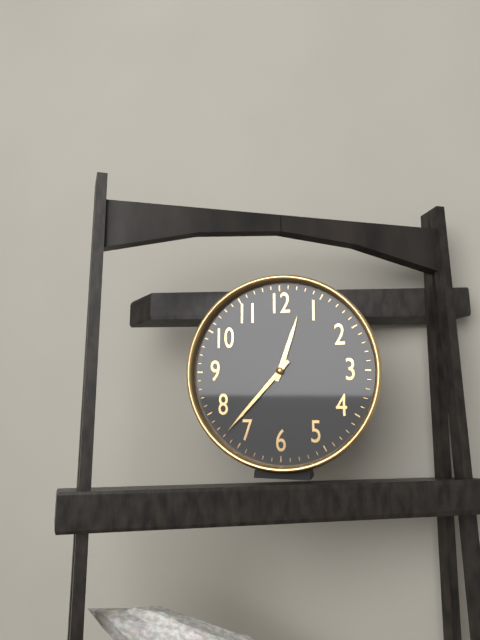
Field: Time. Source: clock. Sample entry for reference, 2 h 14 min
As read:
12 h 37 min
